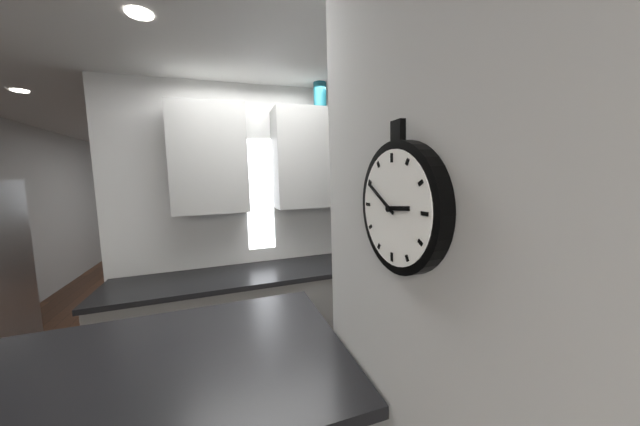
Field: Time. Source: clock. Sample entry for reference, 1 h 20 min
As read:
2 h 50 min
